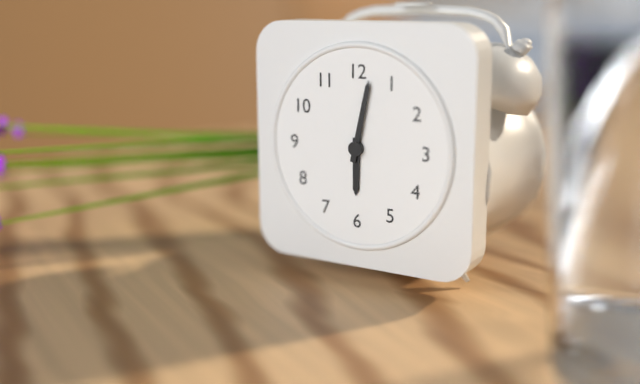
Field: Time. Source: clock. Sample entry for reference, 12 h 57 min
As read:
6 h 02 min
